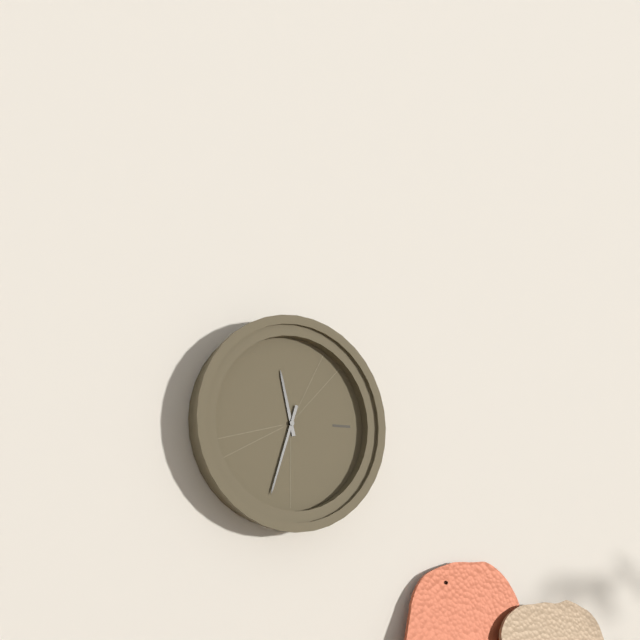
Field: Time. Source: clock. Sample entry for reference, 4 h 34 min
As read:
11 h 33 min
